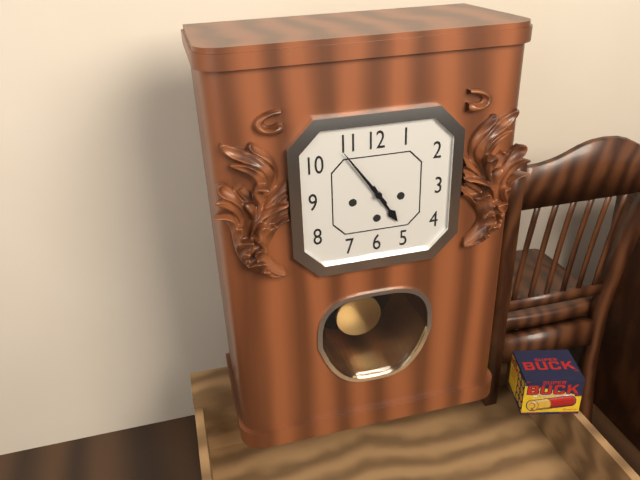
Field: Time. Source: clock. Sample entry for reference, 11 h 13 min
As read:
4 h 54 min
